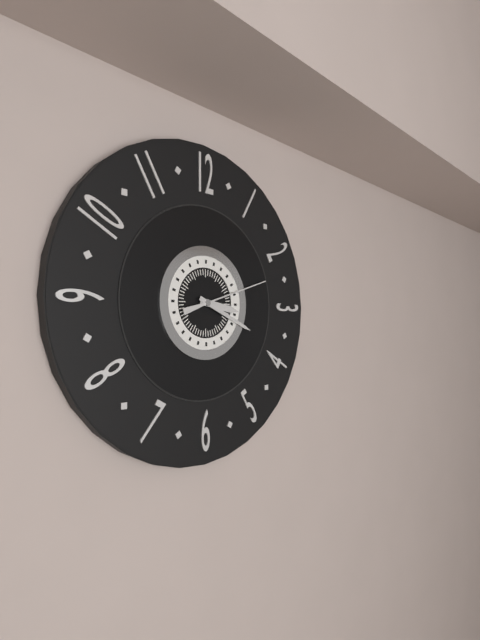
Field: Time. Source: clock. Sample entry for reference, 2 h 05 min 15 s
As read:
3 h 19 min 12 s
